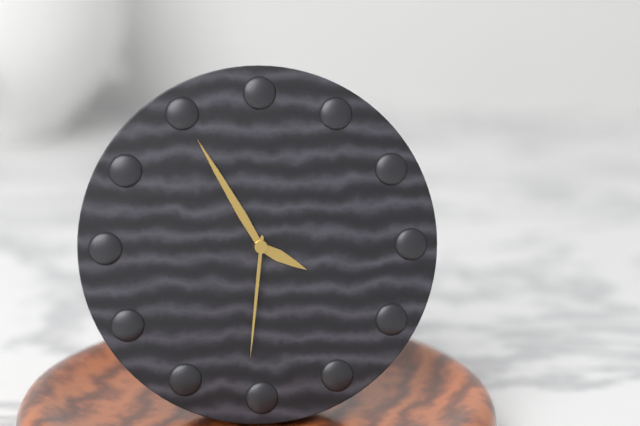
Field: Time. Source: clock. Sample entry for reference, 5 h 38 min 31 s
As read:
3 h 55 min 31 s
